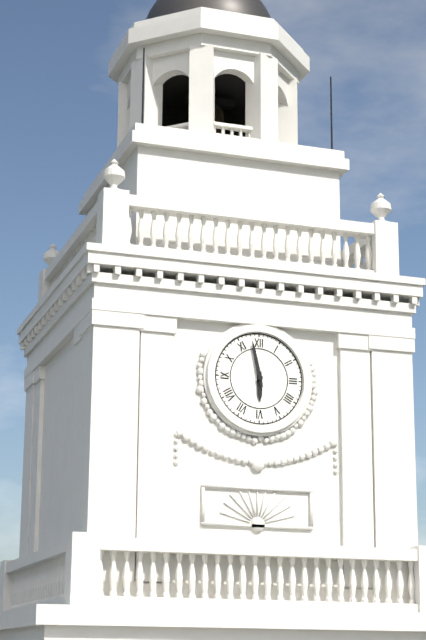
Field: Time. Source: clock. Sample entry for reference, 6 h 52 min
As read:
5 h 58 min
